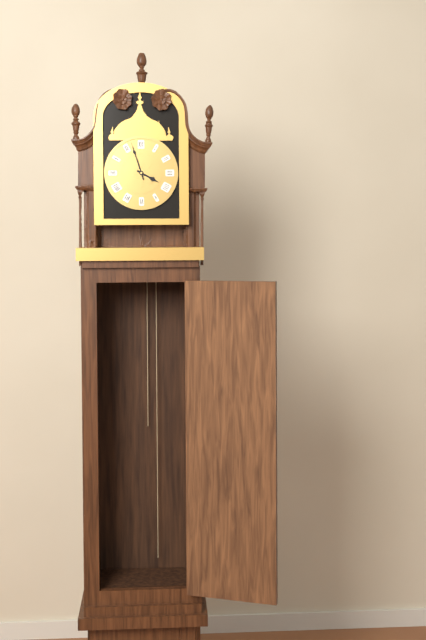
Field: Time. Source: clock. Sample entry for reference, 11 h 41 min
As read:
3 h 57 min
